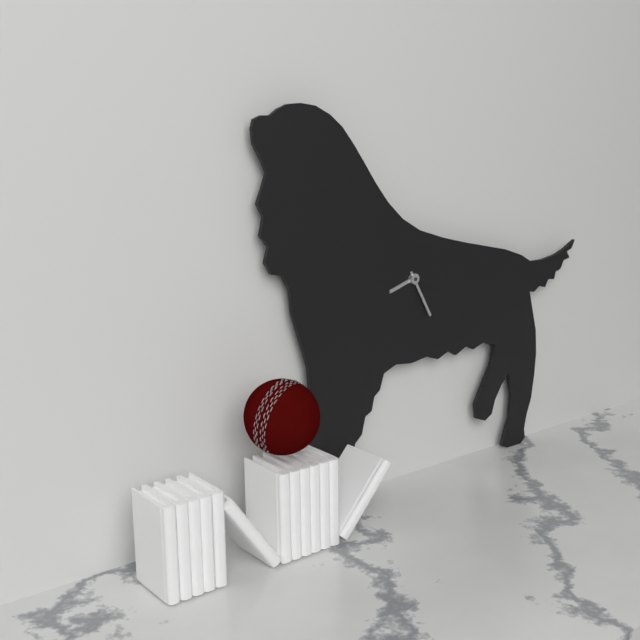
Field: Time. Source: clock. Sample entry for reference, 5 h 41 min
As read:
8 h 25 min
